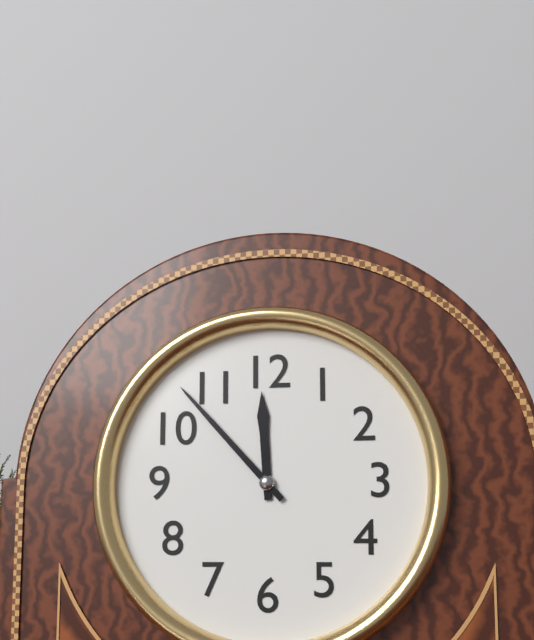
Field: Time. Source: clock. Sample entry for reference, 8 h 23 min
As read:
11 h 53 min
